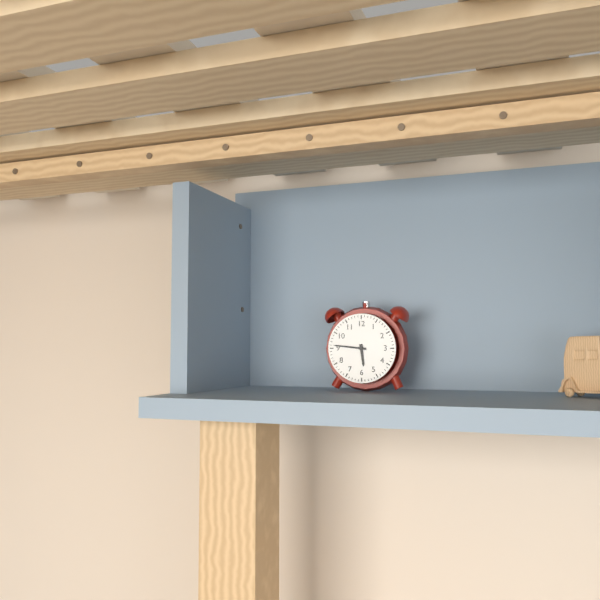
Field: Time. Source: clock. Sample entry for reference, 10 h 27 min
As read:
5 h 46 min
